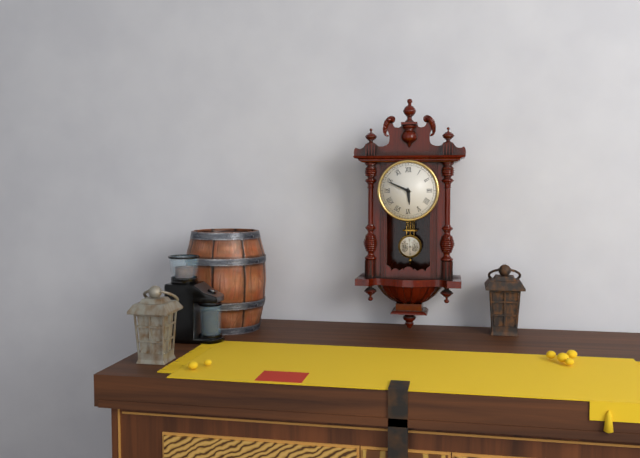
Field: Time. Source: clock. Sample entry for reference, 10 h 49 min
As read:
5 h 49 min
